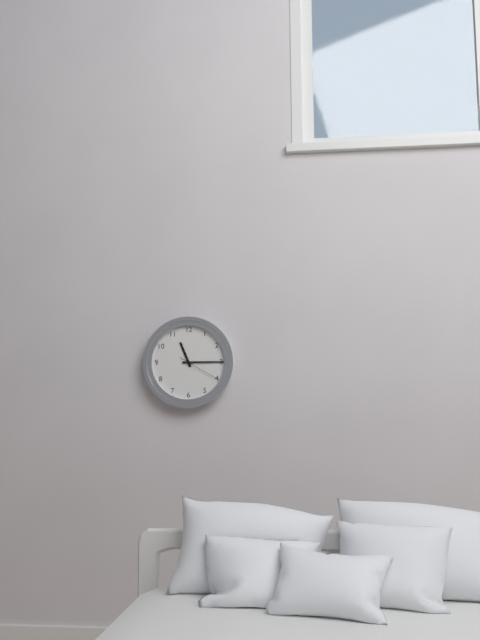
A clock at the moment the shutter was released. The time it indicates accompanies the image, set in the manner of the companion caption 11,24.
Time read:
11,15
